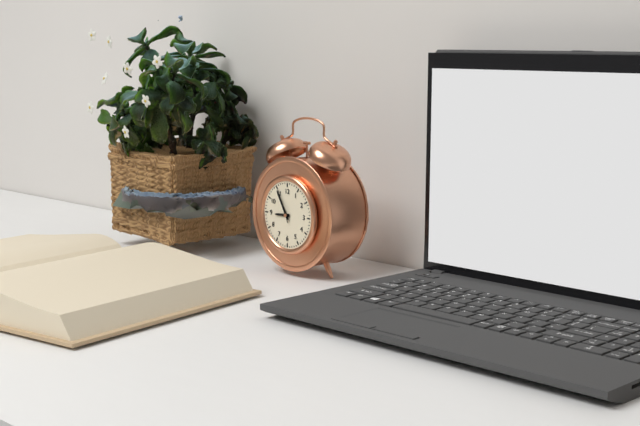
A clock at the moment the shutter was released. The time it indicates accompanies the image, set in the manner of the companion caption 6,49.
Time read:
8,55
